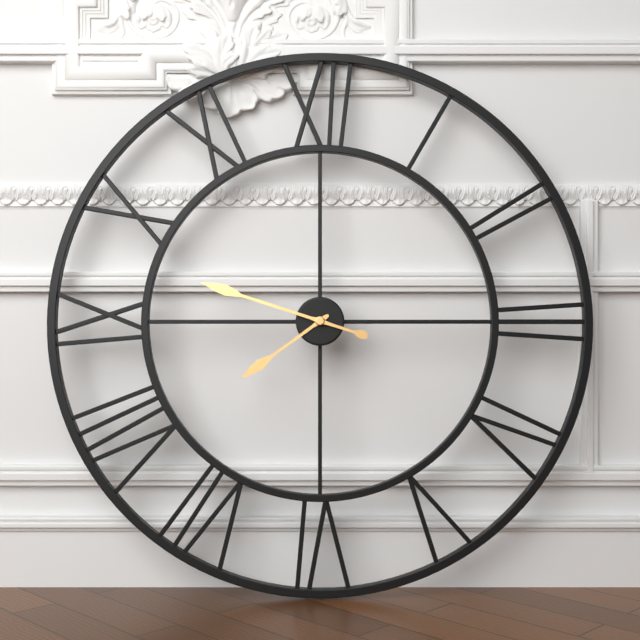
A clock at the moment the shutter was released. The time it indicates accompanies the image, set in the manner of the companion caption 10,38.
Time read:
7,48
